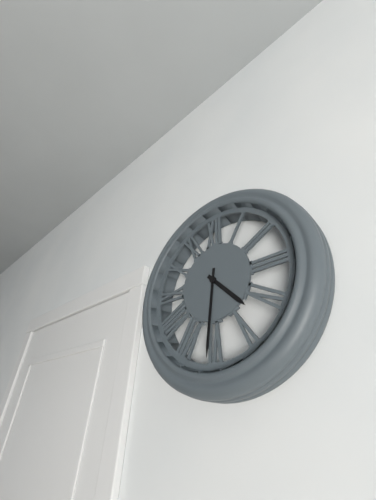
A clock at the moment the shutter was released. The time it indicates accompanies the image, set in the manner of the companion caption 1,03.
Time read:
4,31
